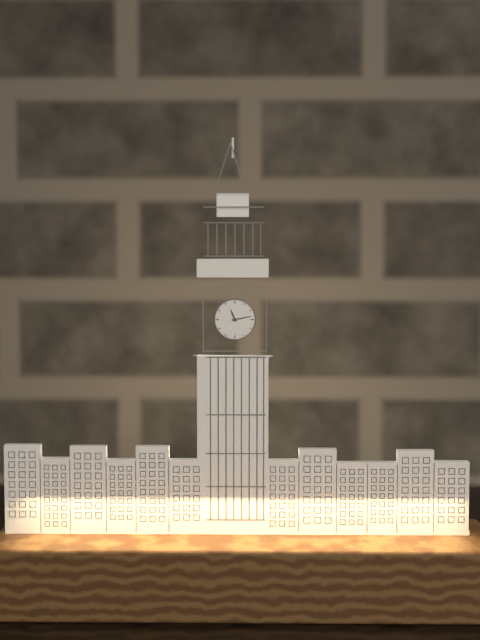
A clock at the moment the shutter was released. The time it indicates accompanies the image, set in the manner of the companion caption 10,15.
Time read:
11,13
